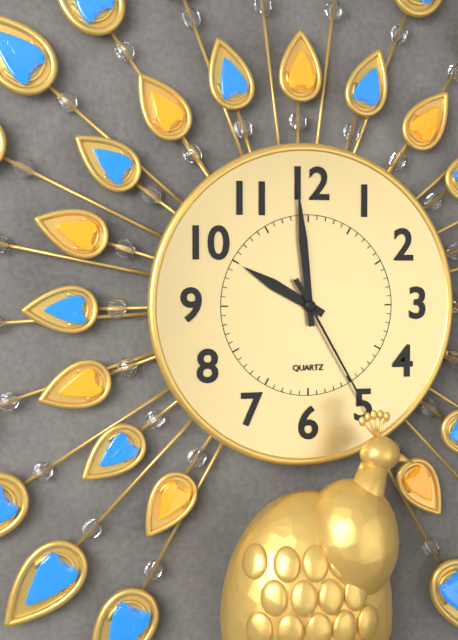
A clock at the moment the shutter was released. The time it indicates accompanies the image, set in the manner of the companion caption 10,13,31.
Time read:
9,59,25
